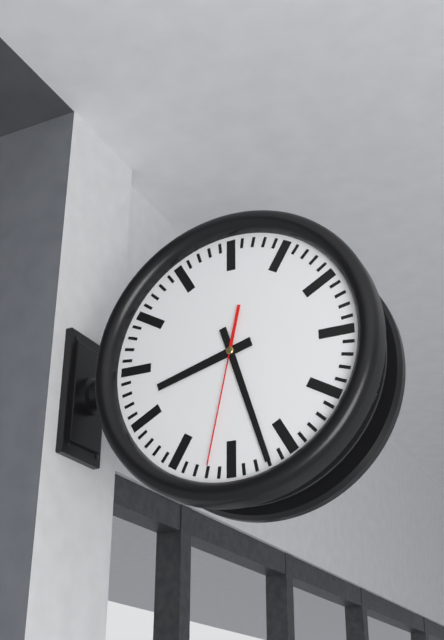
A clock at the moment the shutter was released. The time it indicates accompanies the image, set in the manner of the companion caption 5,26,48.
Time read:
8,27,32
